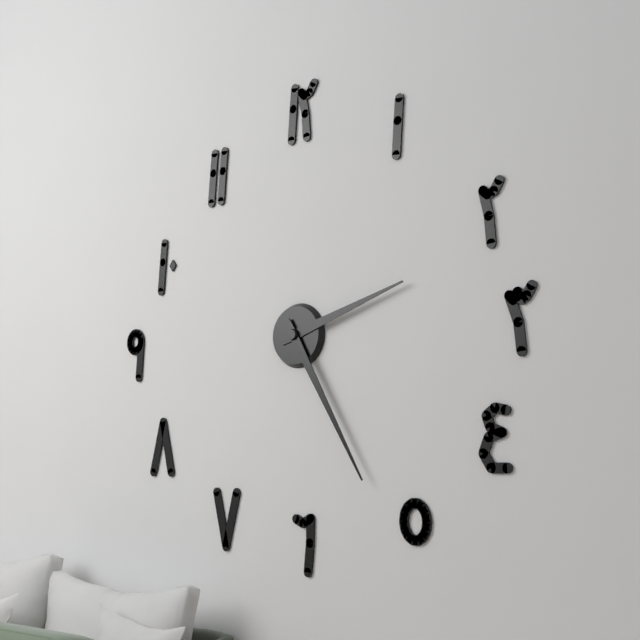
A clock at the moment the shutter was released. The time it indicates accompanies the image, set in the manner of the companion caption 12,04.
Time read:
2,25
